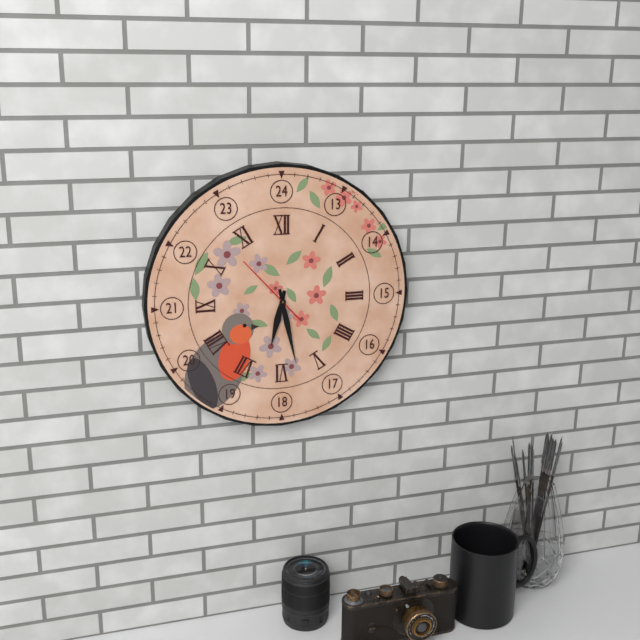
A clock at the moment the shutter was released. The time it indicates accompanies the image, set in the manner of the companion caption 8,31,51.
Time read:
6,28,53
